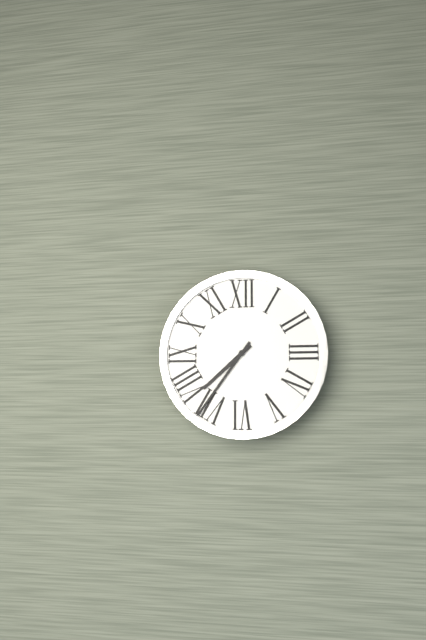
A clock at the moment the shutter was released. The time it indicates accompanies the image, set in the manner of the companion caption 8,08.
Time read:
7,36
